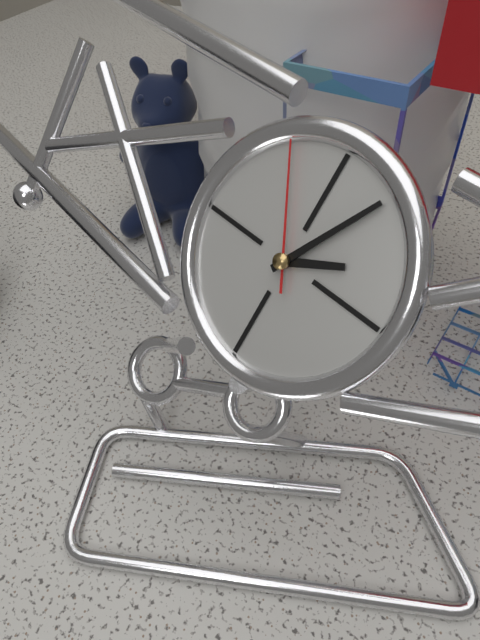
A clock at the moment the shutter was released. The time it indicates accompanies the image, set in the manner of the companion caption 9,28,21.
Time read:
2,05,55
